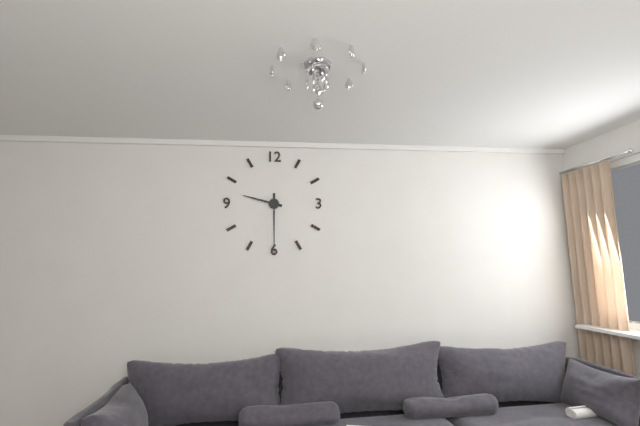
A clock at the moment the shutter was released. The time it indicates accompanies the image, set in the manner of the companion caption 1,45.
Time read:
9,30
